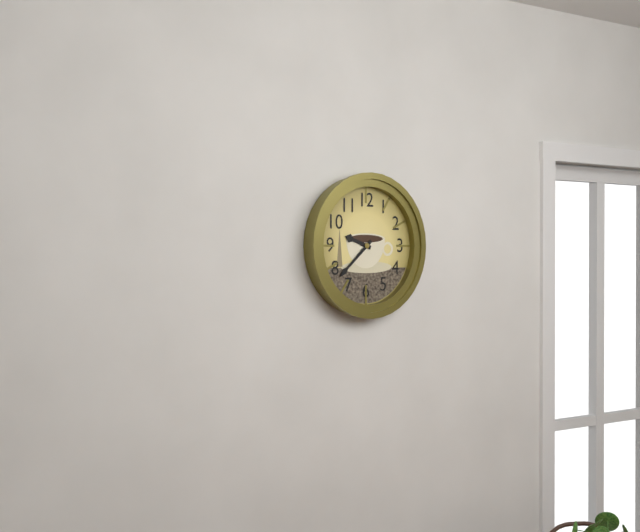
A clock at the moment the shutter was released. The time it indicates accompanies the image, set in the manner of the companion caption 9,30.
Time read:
9,38
